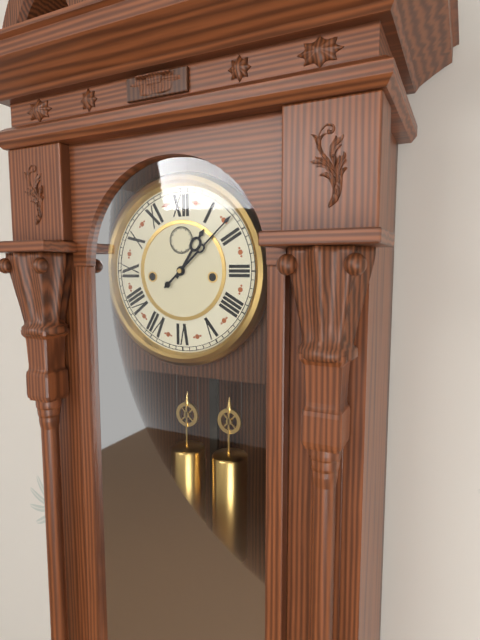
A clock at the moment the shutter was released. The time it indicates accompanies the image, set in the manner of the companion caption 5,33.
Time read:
1,08
